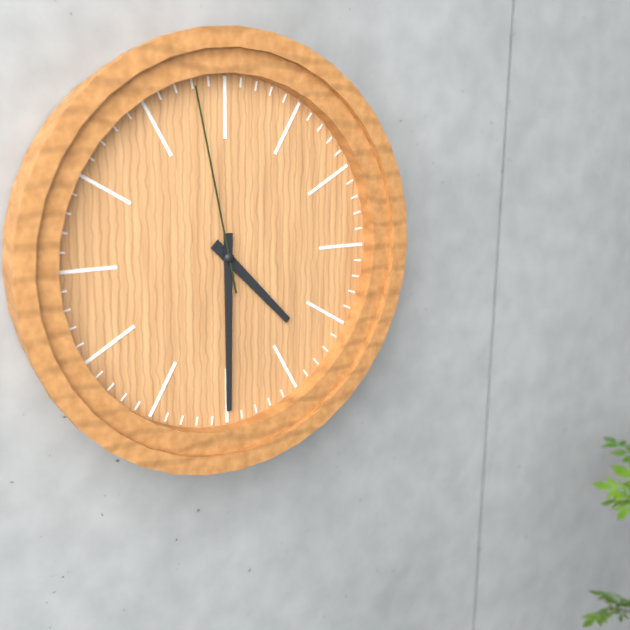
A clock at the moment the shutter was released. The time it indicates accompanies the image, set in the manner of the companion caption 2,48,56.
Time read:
4,30,58
